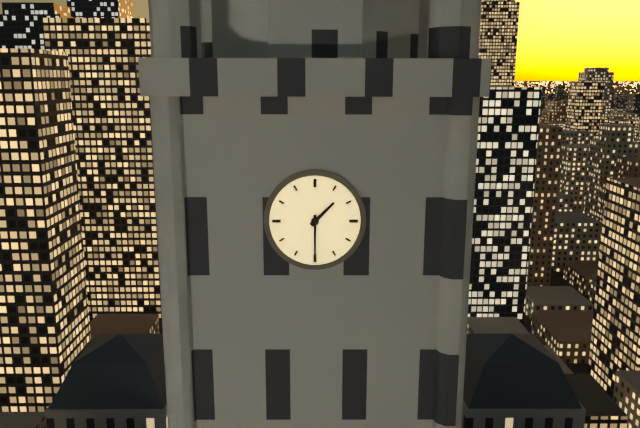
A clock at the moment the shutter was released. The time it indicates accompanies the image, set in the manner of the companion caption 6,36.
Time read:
1,30
